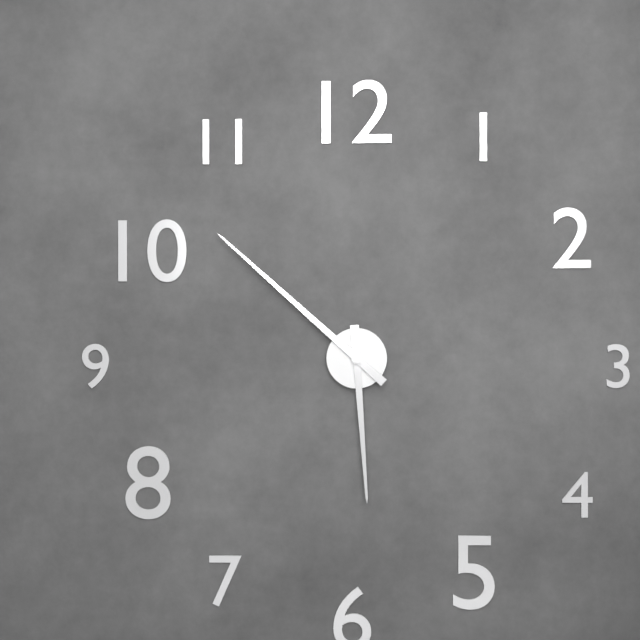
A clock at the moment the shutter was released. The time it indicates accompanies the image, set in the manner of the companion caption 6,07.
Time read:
5,52
